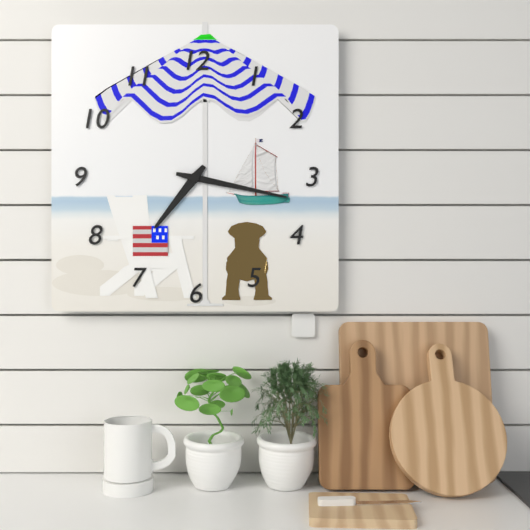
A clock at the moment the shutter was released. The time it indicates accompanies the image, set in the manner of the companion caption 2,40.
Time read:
7,17
